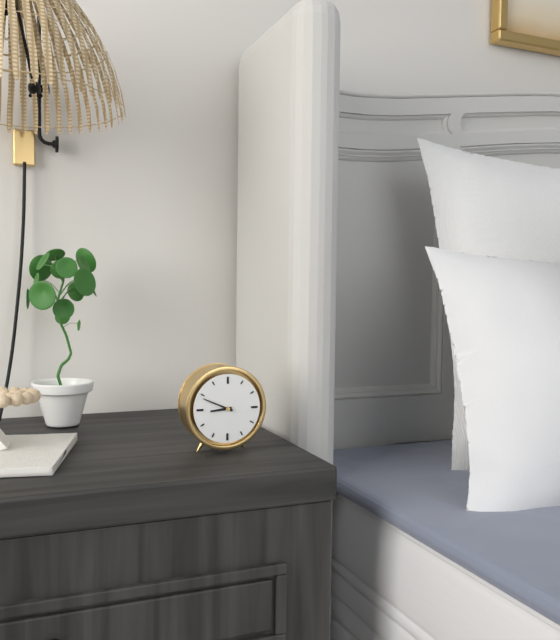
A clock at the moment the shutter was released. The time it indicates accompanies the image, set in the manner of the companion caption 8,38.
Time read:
8,49
